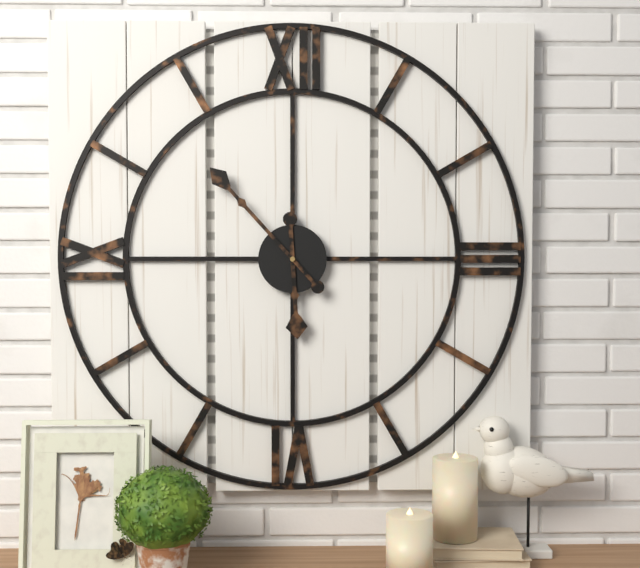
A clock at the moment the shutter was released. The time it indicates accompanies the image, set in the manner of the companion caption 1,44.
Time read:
5,53
